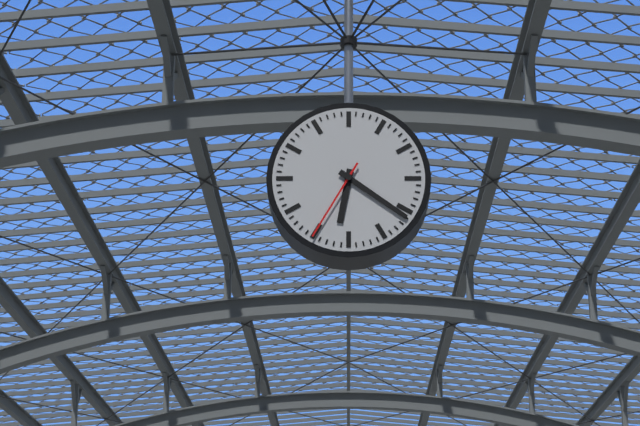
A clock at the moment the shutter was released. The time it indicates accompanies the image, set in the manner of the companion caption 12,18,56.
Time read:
6,21,35
